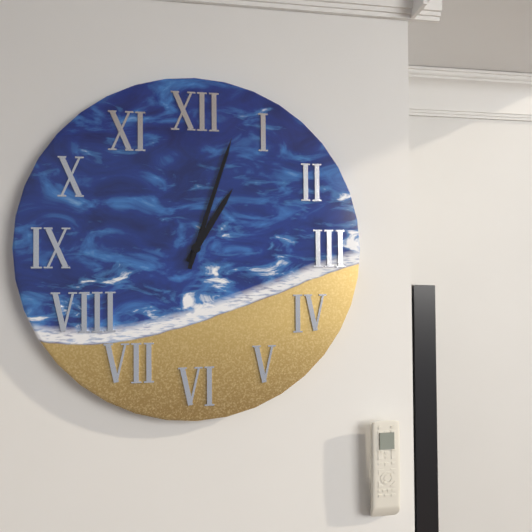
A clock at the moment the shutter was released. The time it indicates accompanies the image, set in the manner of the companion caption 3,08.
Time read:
1,03
